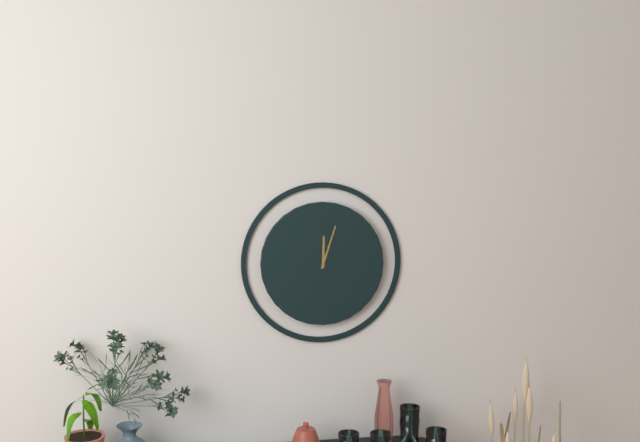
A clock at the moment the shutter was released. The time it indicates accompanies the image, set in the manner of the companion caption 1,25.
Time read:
12,03
